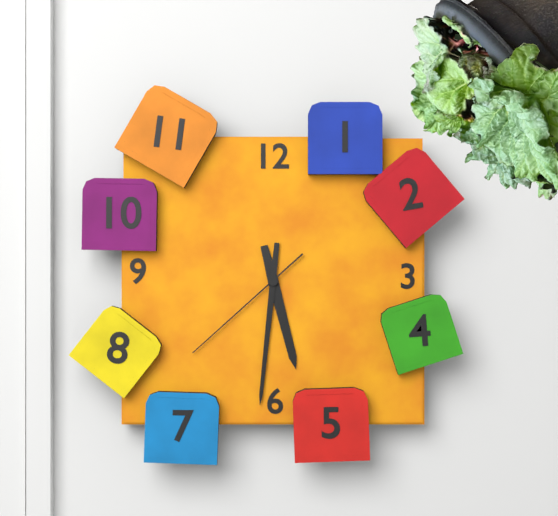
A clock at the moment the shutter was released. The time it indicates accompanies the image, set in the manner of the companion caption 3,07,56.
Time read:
5,31,38
